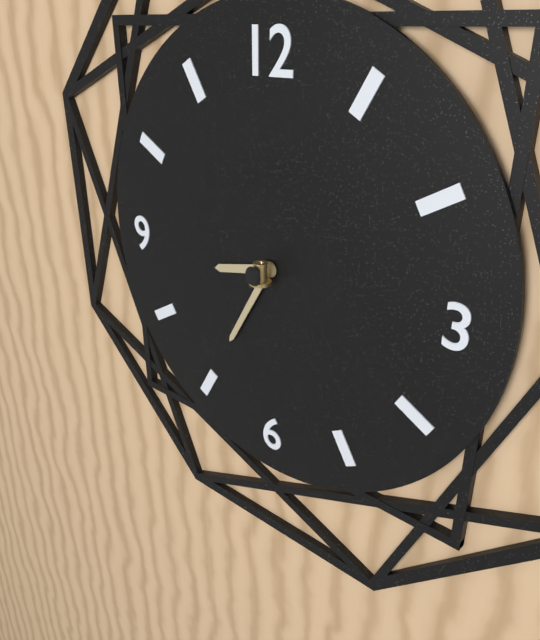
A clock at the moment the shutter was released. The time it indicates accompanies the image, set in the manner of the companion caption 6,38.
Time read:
8,35
